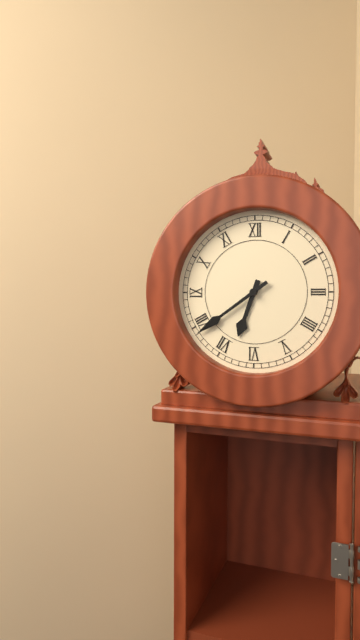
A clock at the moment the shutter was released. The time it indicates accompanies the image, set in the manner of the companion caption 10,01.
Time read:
6,39
